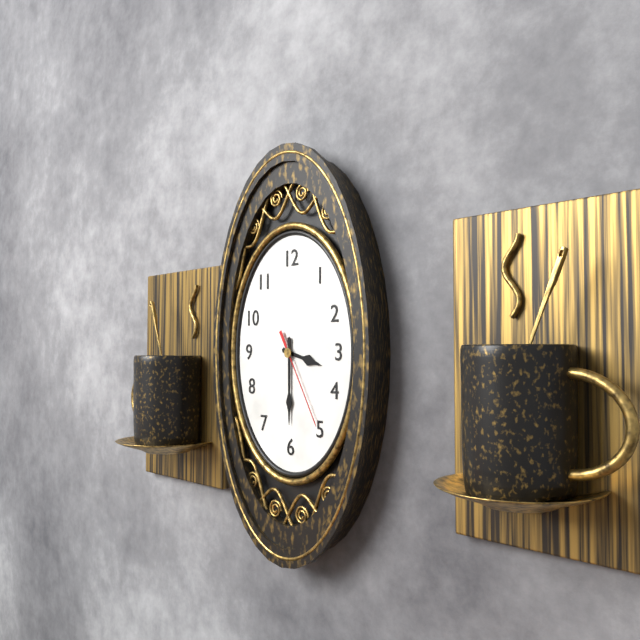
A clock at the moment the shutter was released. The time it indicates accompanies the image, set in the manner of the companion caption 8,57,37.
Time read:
3,30,25
